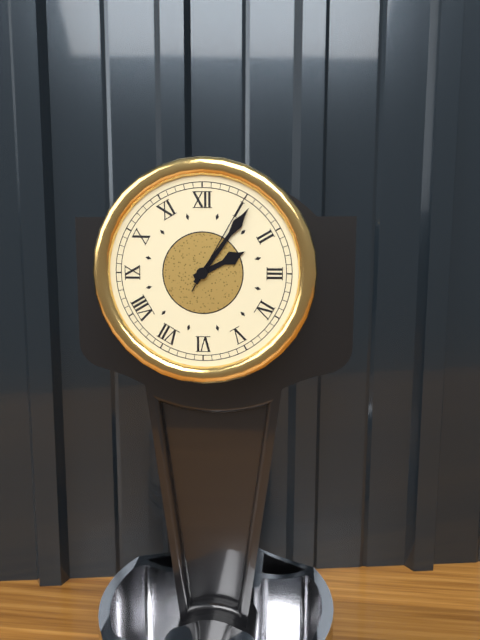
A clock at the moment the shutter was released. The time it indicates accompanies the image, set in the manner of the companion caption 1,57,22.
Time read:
2,06,05
